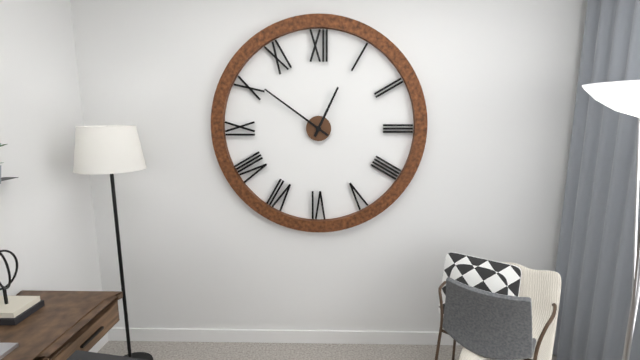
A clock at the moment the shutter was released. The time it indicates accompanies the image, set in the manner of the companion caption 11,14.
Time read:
12,51
